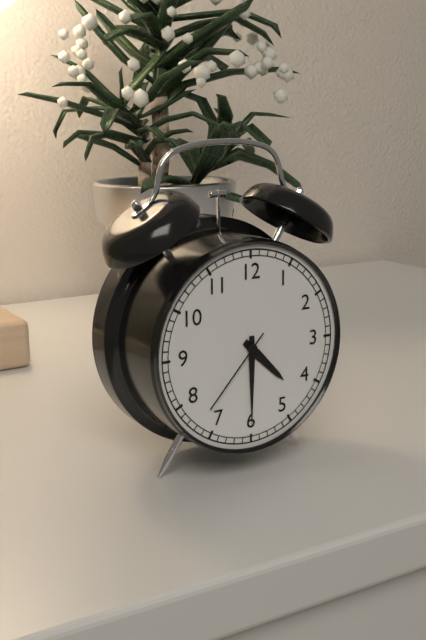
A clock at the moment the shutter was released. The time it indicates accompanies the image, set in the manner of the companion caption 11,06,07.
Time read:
4,30,37
